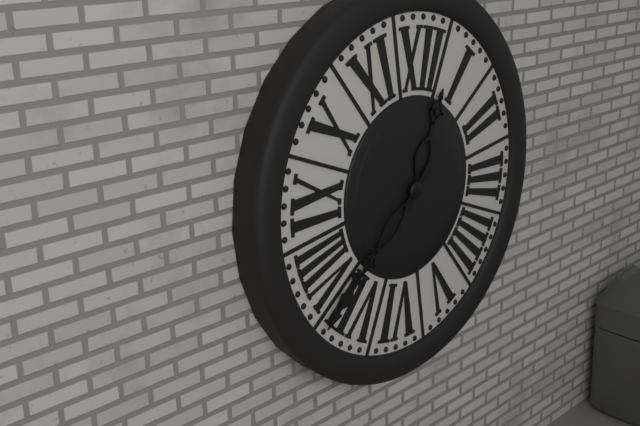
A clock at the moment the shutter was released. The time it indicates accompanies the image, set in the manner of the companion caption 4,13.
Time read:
12,37
